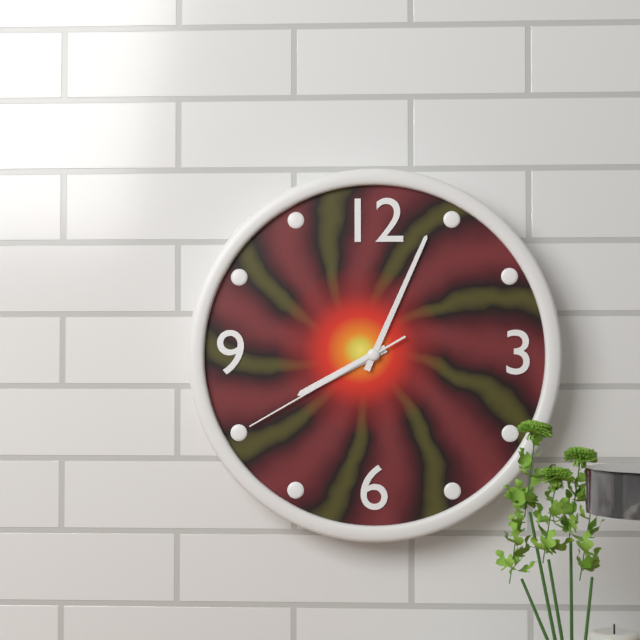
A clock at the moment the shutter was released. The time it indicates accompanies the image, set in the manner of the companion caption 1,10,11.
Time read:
8,04,40
